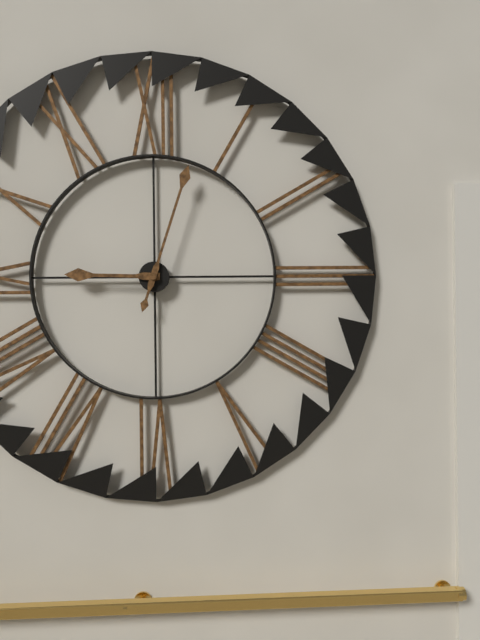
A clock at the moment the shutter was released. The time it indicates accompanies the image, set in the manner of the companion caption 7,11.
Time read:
9,03
